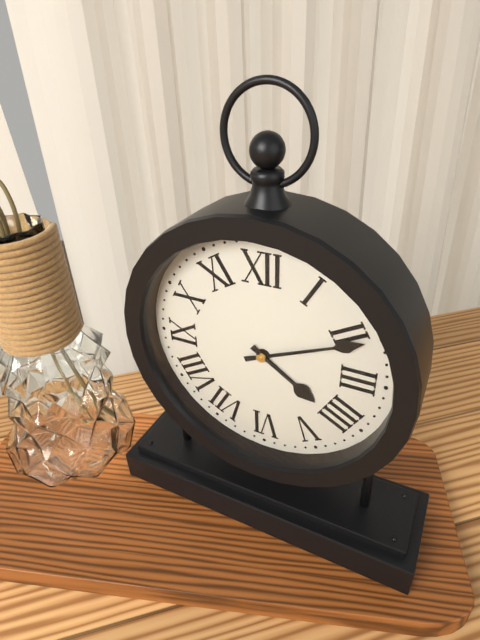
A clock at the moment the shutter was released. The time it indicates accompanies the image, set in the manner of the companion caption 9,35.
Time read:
4,11
